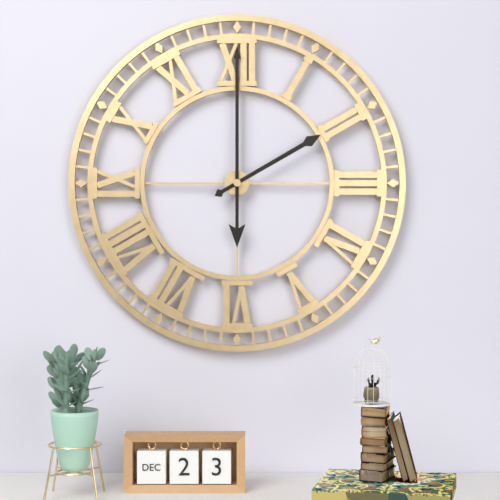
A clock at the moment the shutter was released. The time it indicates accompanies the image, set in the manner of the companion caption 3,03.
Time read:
2,00
